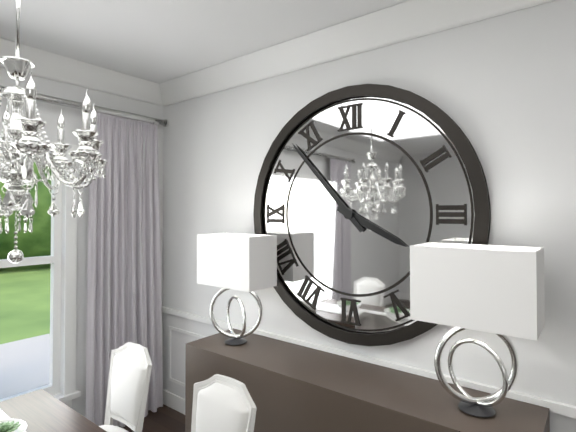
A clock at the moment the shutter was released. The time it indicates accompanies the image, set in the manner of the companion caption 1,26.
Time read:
3,53
